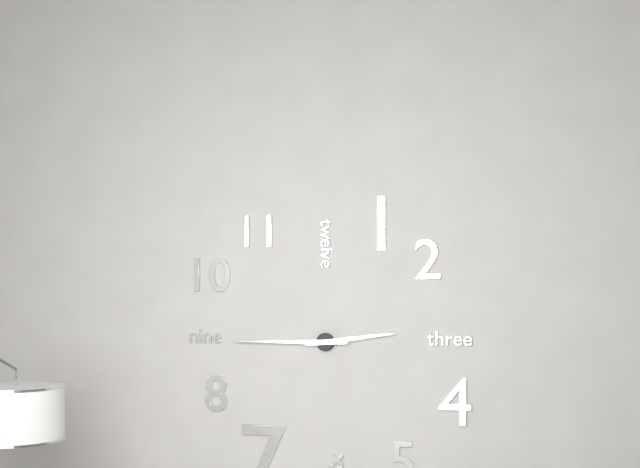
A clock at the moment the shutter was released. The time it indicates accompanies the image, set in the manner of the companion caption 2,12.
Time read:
2,45
